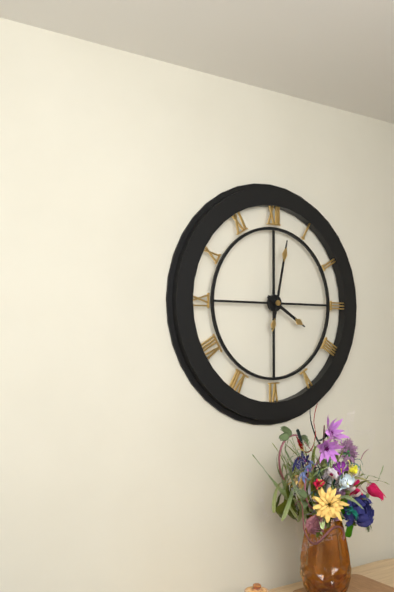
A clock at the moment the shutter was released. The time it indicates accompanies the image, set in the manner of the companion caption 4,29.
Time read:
4,02
